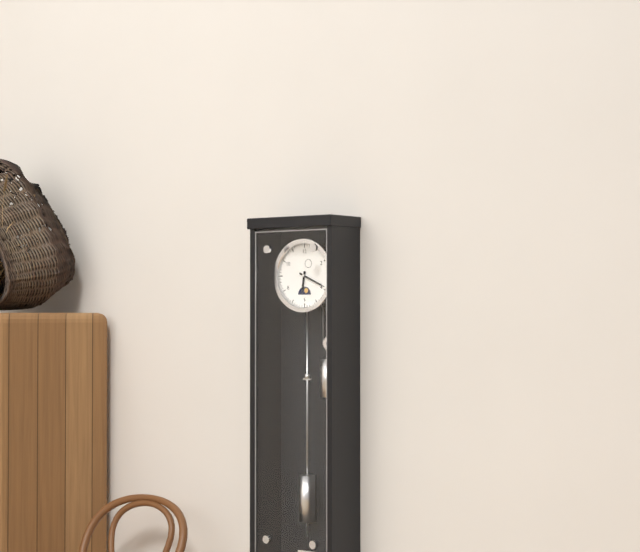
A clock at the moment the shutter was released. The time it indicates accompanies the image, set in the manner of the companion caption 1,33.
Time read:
6,19
